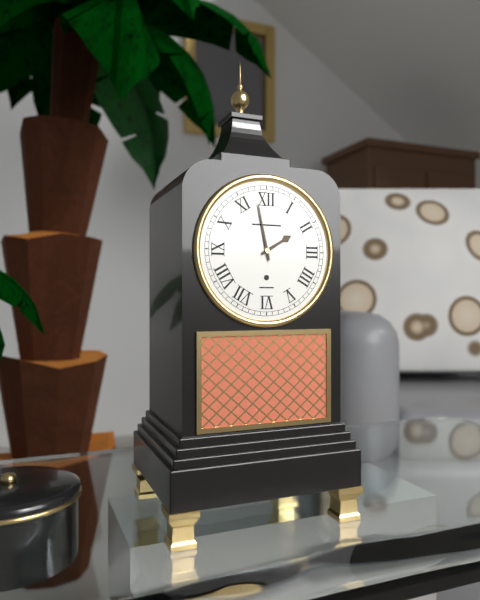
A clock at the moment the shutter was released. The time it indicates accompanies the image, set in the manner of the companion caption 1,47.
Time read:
1,58
